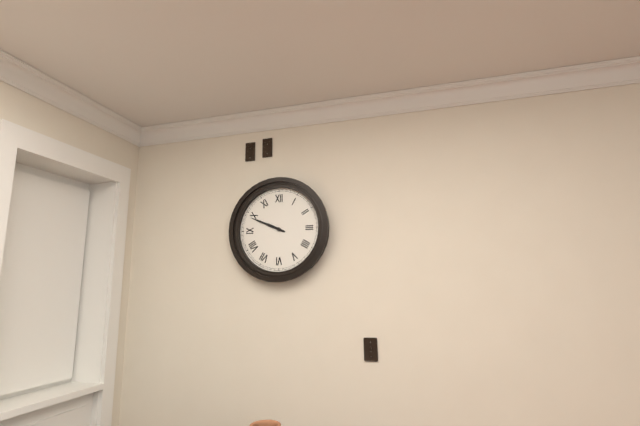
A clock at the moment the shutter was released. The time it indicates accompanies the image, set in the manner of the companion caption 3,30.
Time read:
9,49
